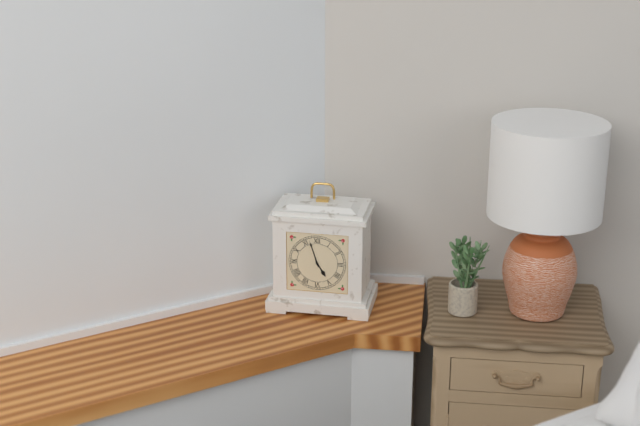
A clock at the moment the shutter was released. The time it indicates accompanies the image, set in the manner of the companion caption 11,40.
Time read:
4,57
